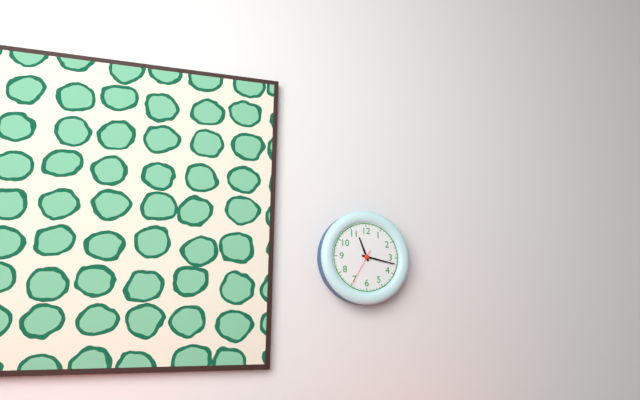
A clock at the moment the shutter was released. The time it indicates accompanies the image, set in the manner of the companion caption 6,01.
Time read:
11,17
